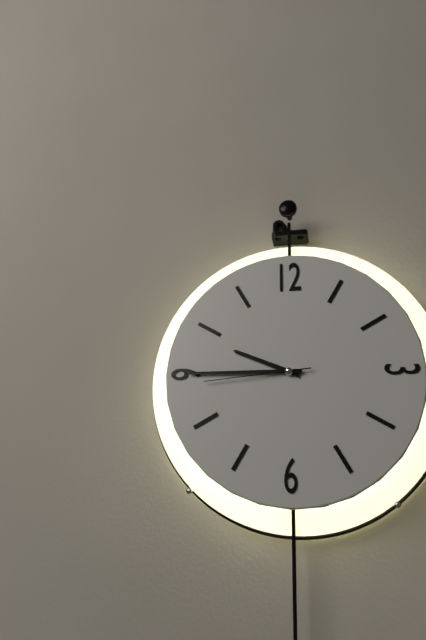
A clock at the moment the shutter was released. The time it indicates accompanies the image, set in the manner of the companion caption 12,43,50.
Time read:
9,45,44
